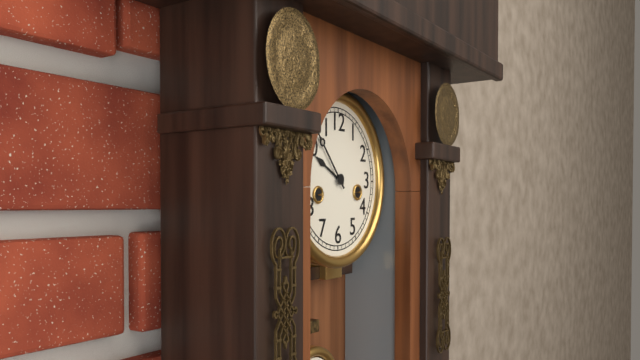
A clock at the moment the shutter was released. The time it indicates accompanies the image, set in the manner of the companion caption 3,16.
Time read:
9,53
